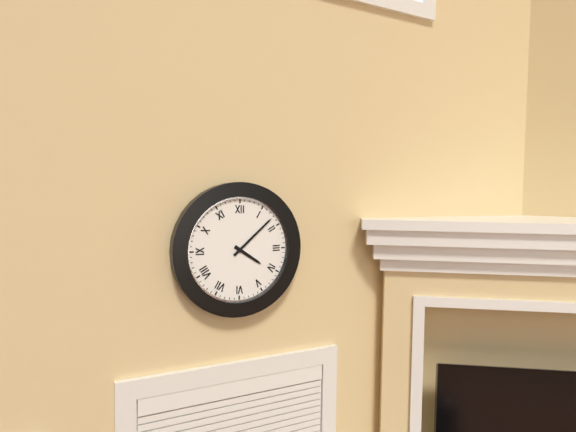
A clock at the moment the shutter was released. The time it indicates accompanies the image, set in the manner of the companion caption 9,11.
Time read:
4,08
